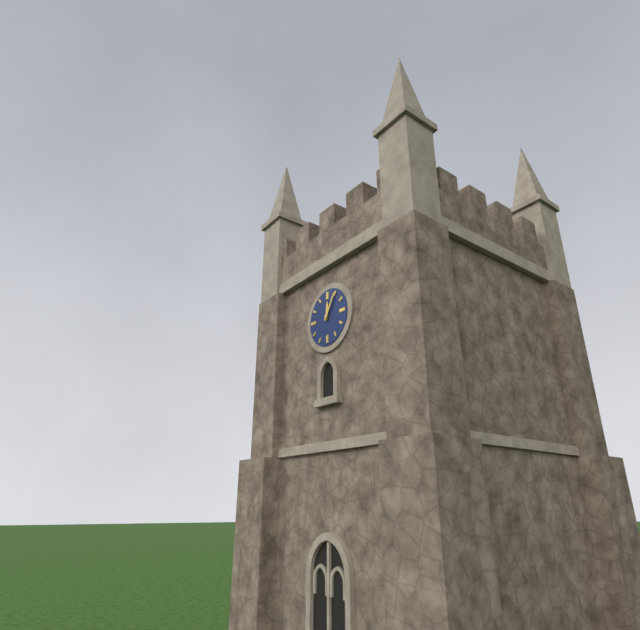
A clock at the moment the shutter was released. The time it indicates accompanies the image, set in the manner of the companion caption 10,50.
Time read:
12,05
